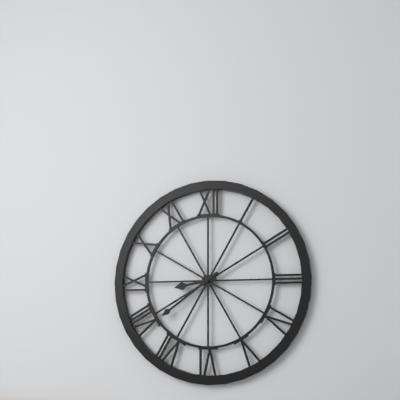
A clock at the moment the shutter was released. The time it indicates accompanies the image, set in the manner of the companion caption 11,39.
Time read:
8,39
